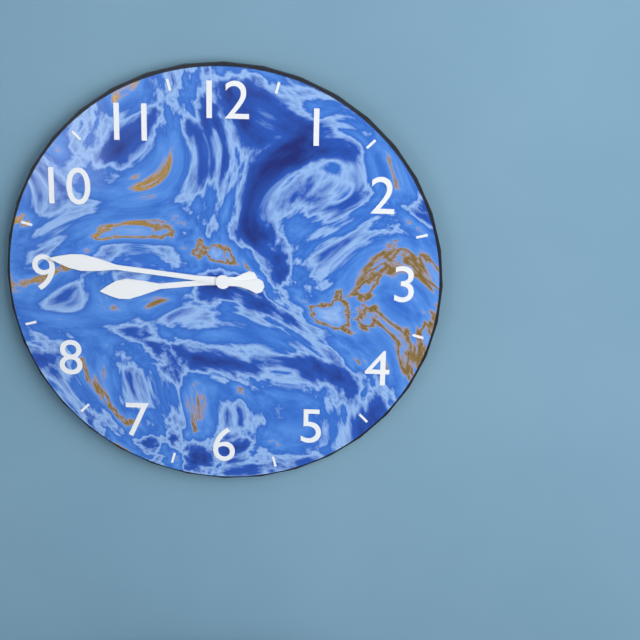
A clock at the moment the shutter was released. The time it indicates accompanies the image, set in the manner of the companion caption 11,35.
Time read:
8,46
